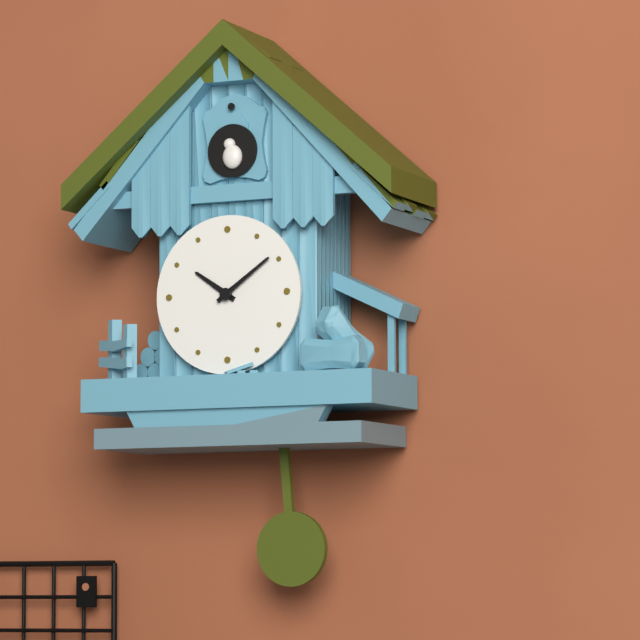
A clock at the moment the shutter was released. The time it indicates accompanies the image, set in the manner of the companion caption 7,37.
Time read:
10,09
